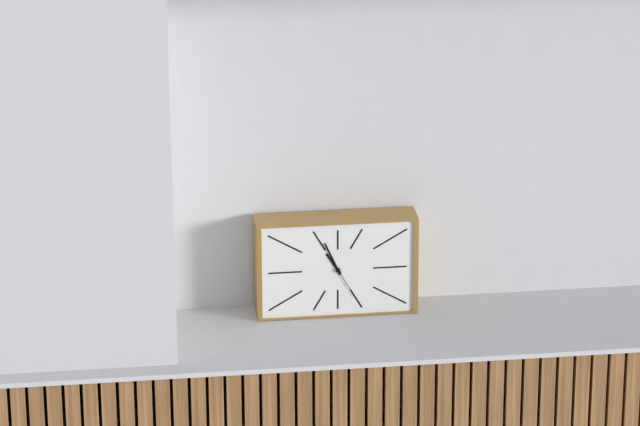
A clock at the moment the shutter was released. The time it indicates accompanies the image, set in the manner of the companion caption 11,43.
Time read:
10,56
